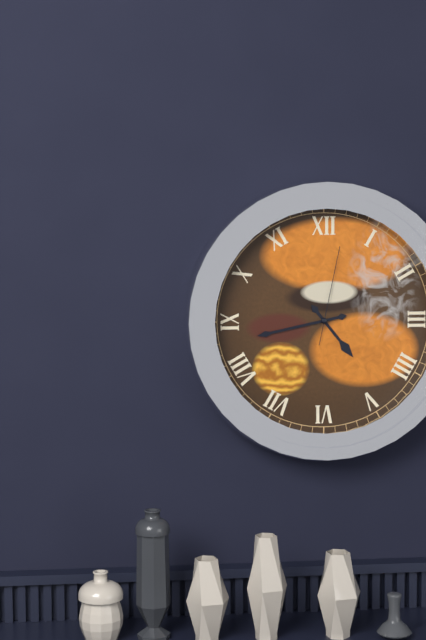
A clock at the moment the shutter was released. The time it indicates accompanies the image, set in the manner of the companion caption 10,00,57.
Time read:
4,43,02
